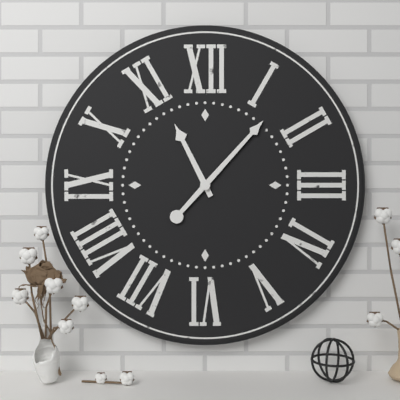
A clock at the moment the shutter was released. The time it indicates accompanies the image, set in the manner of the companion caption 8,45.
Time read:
11,07
